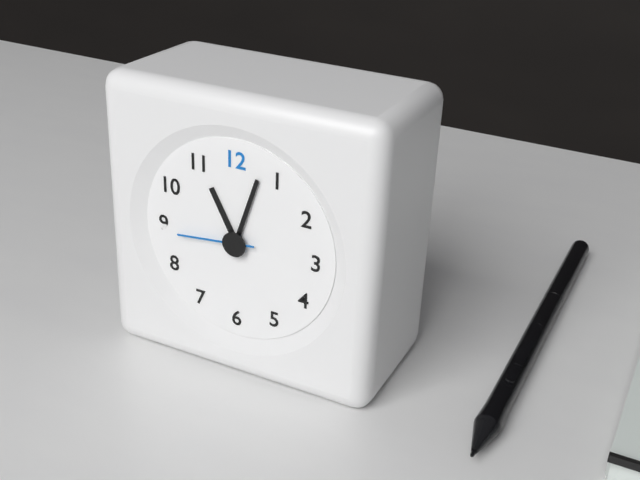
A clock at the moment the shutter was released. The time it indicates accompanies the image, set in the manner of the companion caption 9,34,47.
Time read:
11,03,44
